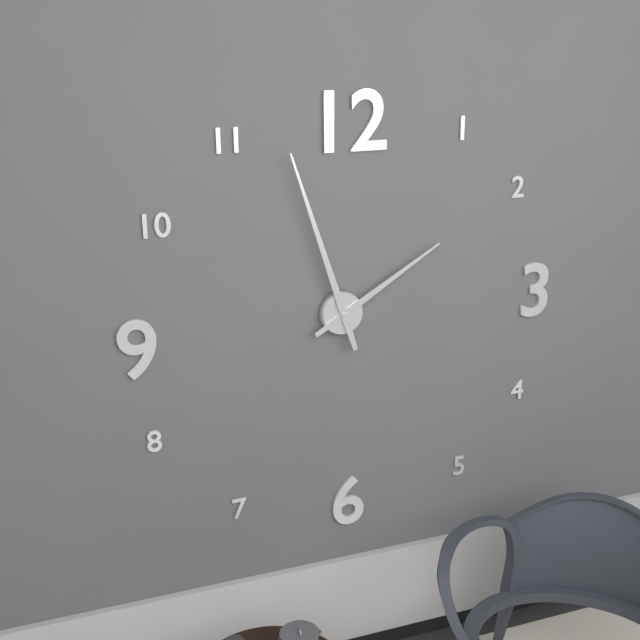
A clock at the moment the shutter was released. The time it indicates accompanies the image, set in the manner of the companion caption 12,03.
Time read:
1,57
